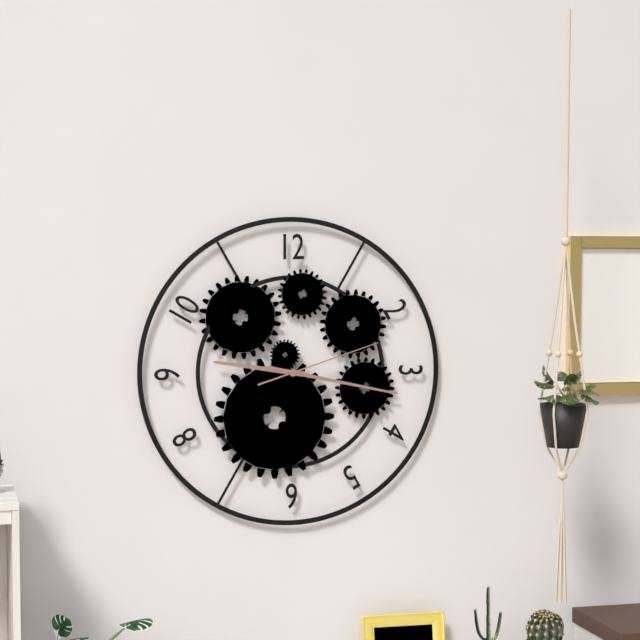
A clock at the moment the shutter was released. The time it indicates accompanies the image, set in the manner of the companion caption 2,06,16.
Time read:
9,17,12
